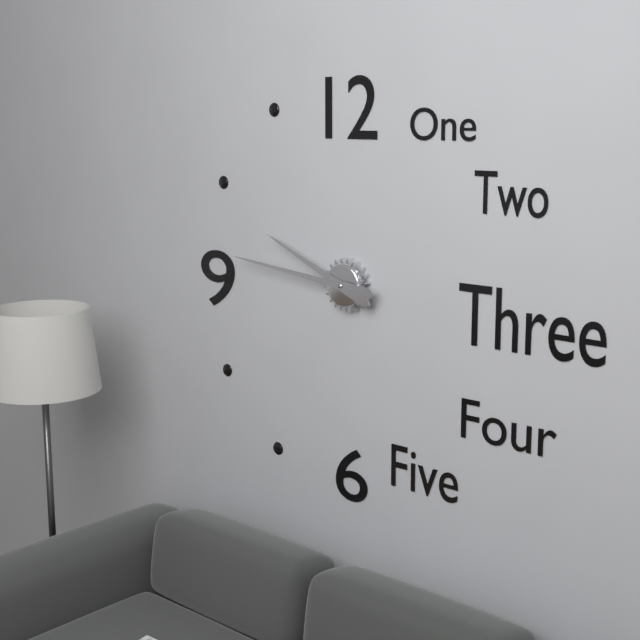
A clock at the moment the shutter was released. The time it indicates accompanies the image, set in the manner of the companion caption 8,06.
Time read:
9,46
